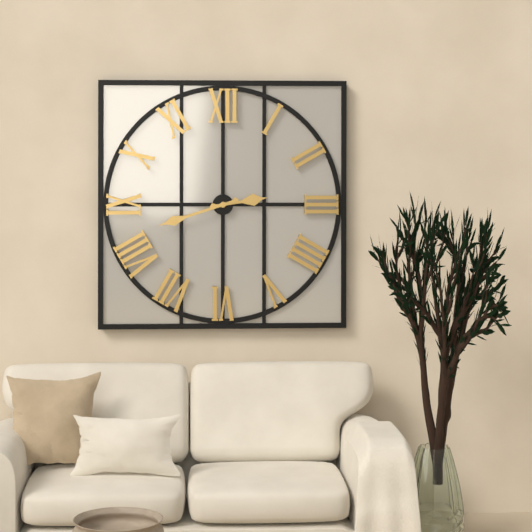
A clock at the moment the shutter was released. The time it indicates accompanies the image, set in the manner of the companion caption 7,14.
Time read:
2,42
